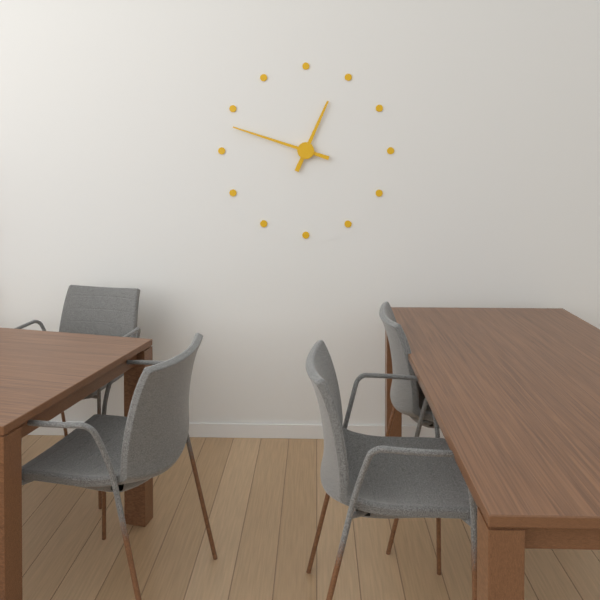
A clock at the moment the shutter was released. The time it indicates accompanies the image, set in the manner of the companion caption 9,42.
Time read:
12,48
